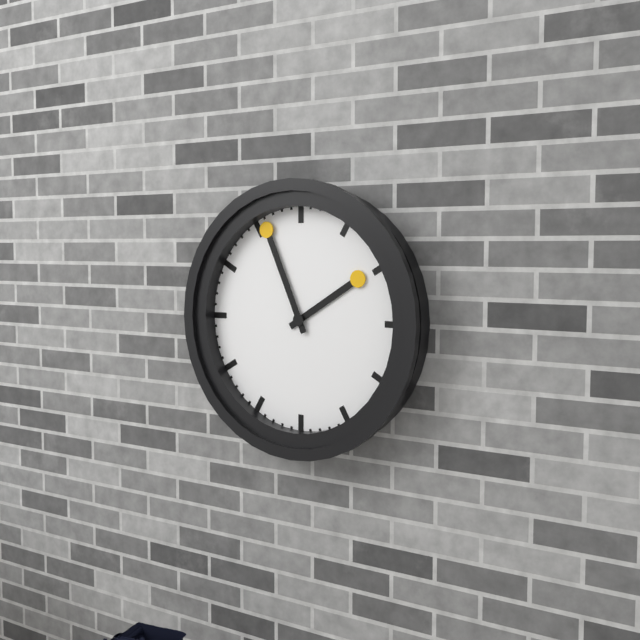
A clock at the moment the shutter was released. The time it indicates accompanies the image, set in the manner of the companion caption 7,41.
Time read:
1,56
